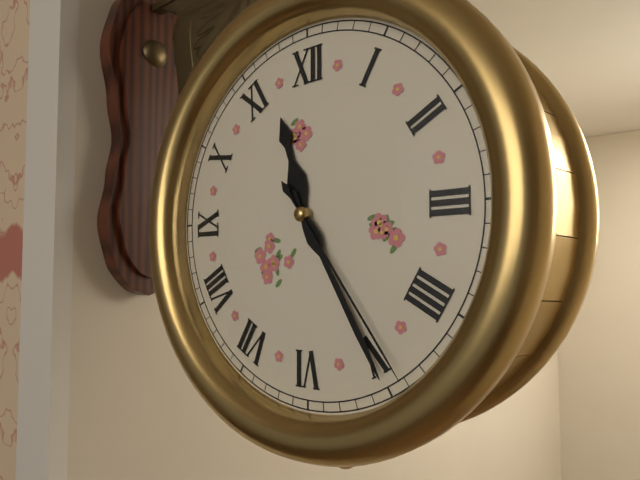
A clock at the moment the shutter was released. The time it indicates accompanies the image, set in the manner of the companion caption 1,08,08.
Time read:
11,25,24
